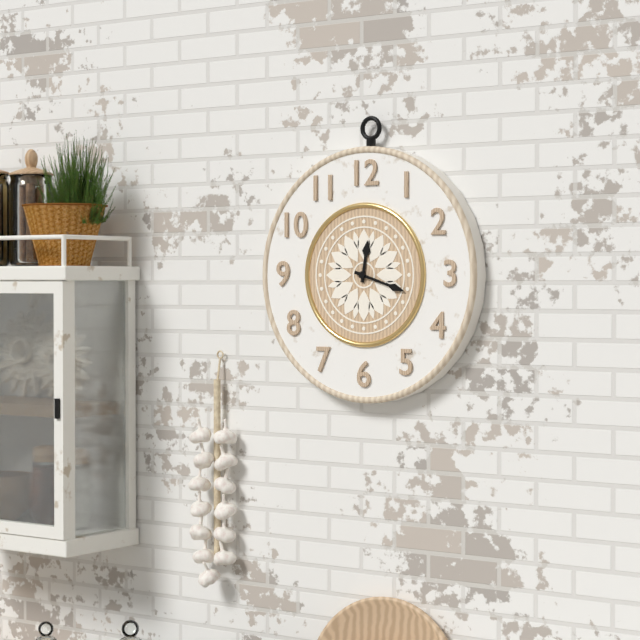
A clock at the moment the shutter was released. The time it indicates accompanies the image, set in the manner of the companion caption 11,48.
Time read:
12,18
